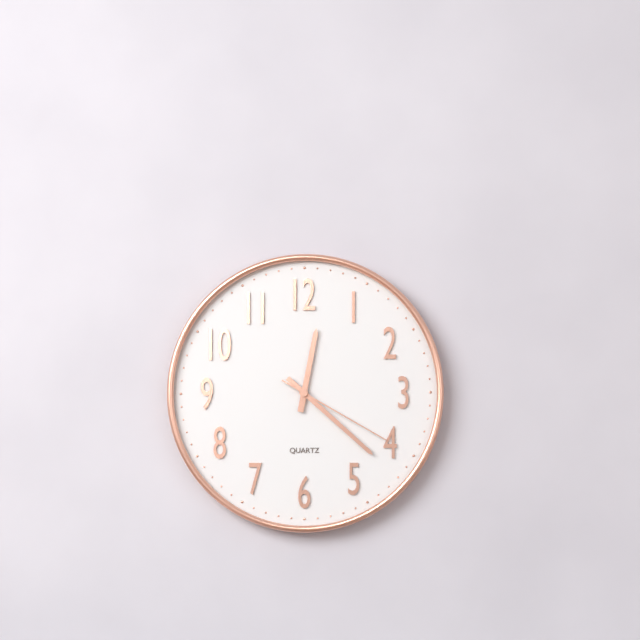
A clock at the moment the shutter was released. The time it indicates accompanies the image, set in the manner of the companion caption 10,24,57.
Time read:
12,22,20
